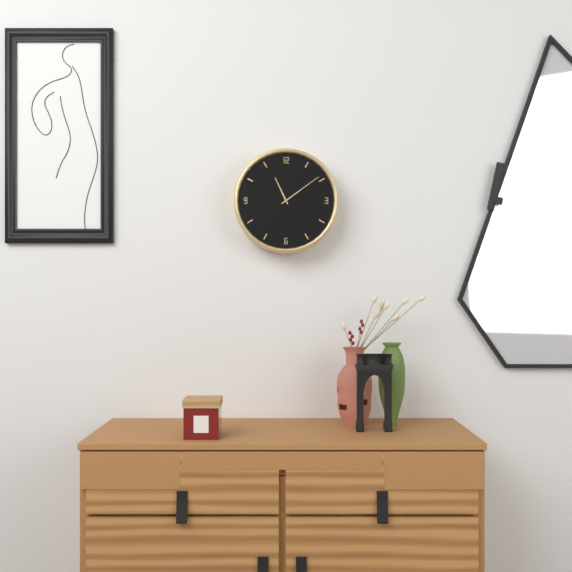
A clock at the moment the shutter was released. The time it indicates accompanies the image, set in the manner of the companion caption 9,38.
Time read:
11,09
